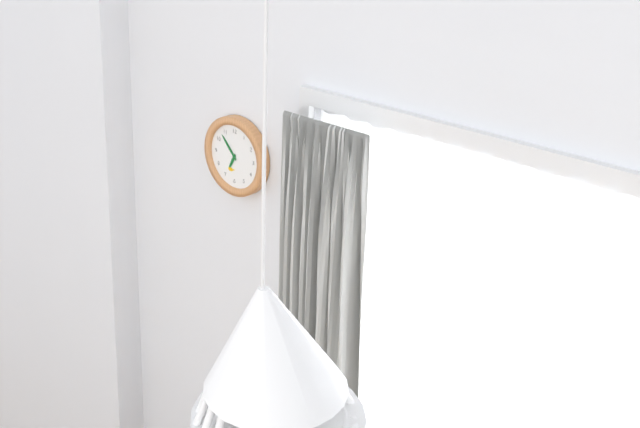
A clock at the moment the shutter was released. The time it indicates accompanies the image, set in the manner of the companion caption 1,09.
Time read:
6,53
